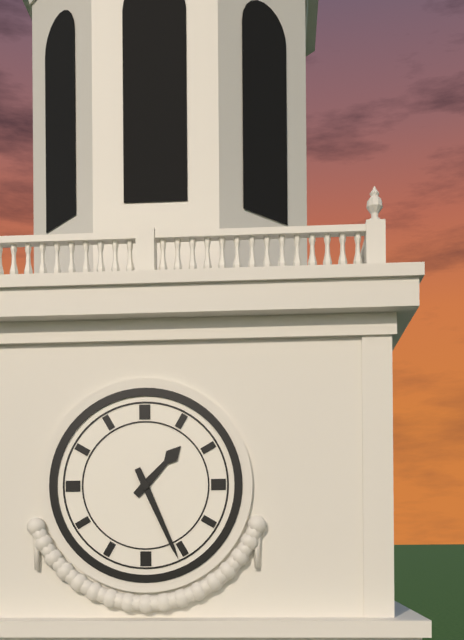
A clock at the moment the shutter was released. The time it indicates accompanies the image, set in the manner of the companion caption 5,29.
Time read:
1,26
